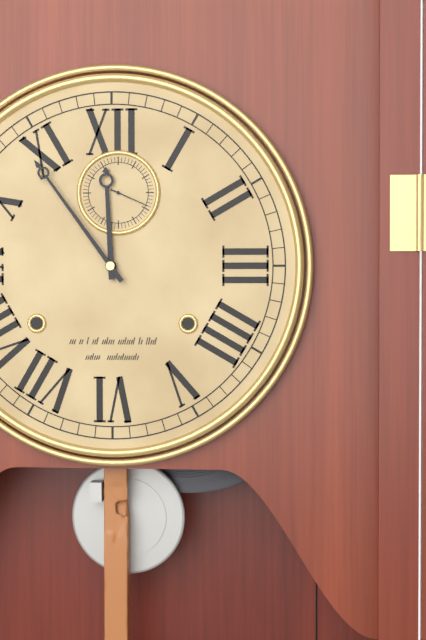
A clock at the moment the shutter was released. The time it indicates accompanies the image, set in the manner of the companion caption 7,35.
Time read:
11,54
